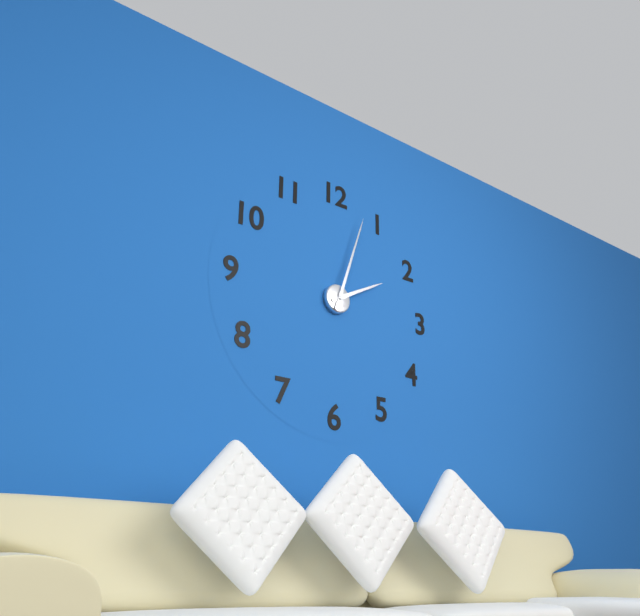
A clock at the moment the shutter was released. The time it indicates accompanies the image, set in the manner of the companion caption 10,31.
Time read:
2,03
